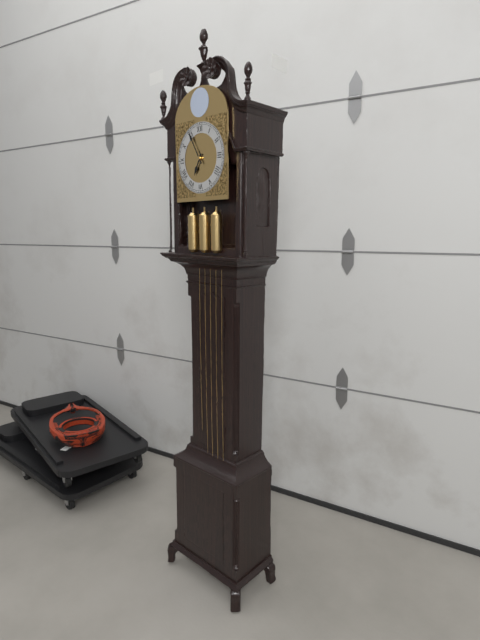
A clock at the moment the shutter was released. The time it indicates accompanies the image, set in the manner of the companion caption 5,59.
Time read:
6,55
